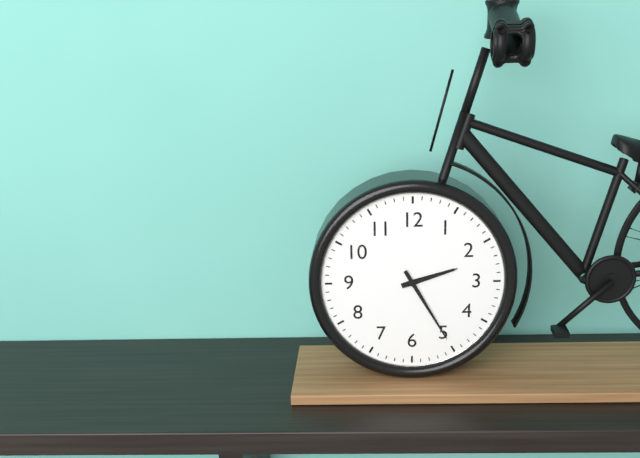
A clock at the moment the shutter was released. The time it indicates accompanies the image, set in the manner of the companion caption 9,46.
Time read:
2,25
